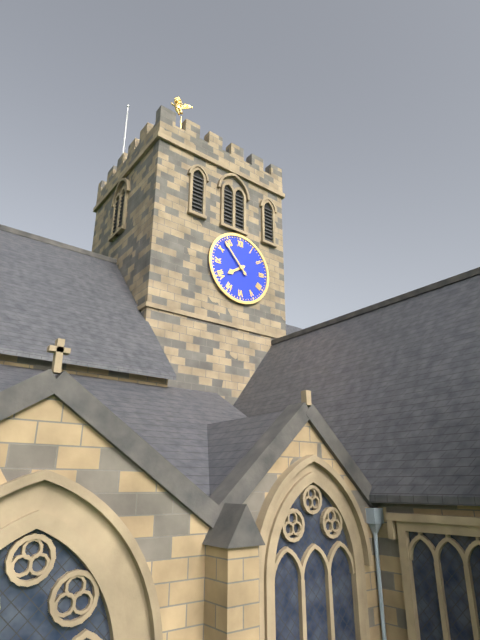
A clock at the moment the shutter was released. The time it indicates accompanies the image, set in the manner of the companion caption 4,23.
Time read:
7,53
